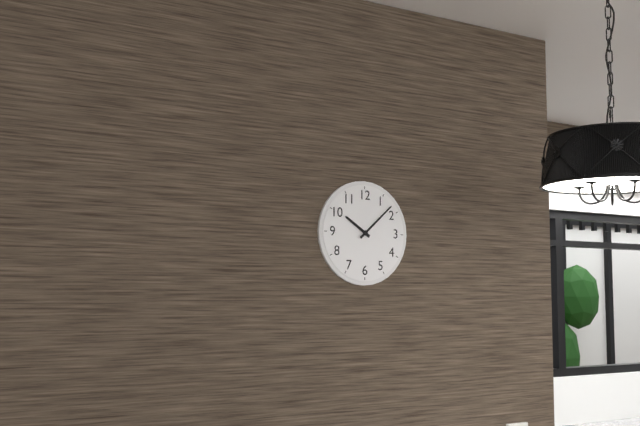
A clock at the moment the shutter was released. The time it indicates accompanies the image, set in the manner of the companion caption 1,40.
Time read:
10,08
